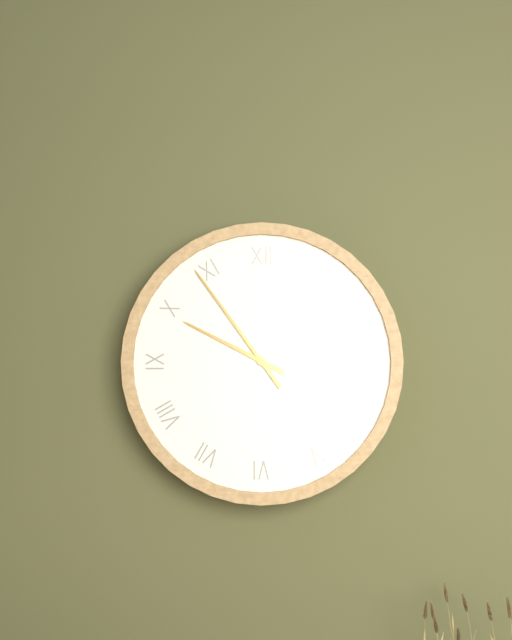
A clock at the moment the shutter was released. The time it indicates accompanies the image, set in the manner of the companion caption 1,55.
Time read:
9,54
